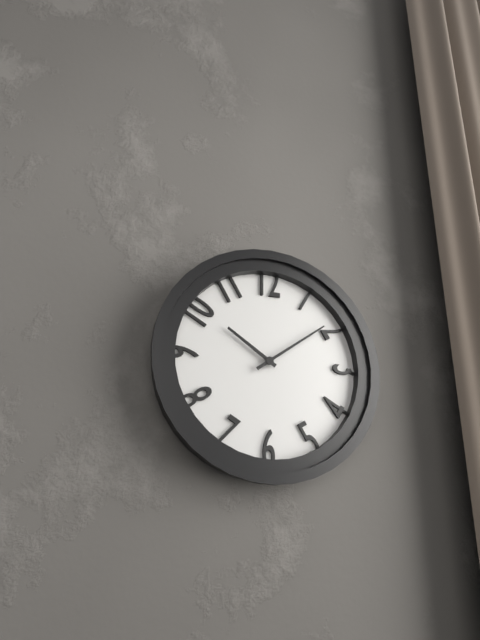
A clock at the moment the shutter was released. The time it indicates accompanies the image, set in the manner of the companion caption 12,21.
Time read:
10,09
